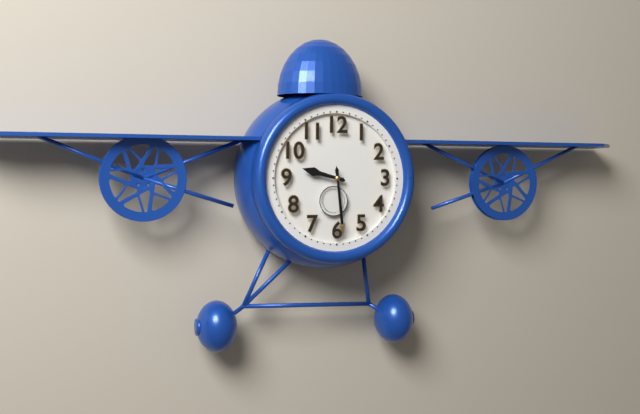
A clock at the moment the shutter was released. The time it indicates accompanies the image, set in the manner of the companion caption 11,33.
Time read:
9,29
